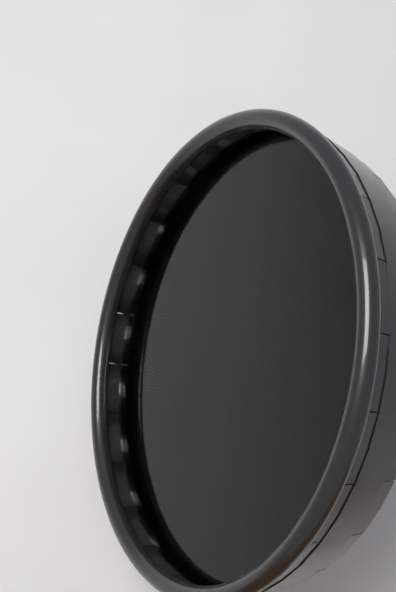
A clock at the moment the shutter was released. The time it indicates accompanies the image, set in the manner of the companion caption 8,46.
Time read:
12,06
